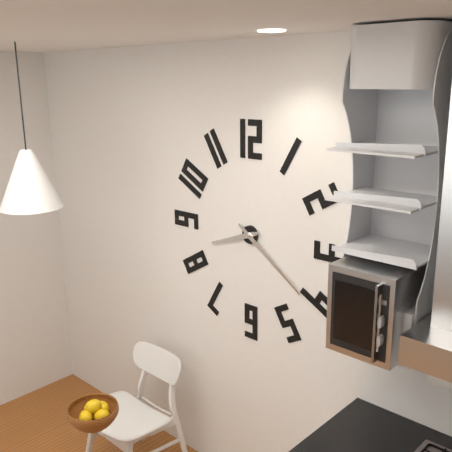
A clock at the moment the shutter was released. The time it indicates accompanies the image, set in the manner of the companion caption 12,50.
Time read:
8,21
